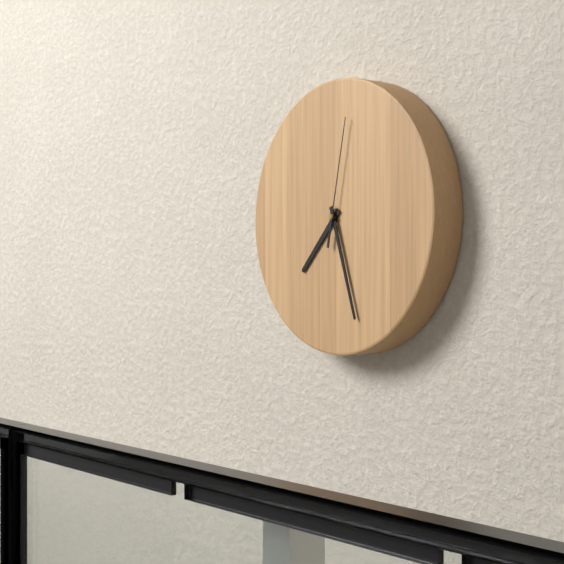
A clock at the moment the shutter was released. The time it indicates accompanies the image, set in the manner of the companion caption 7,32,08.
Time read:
7,27,02
